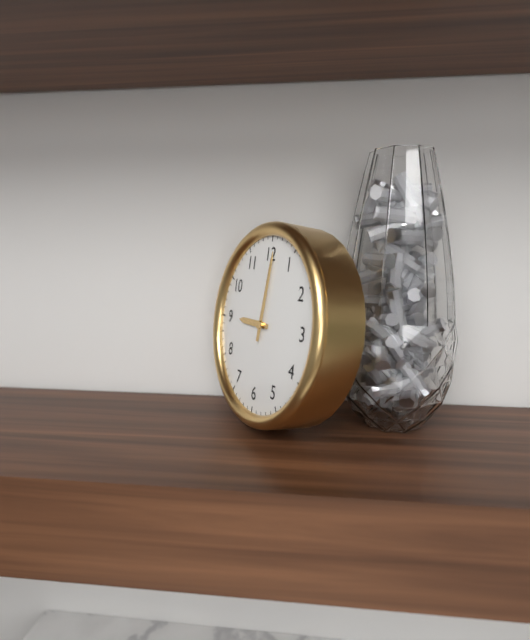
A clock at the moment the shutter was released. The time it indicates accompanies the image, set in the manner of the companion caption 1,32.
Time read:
9,01
